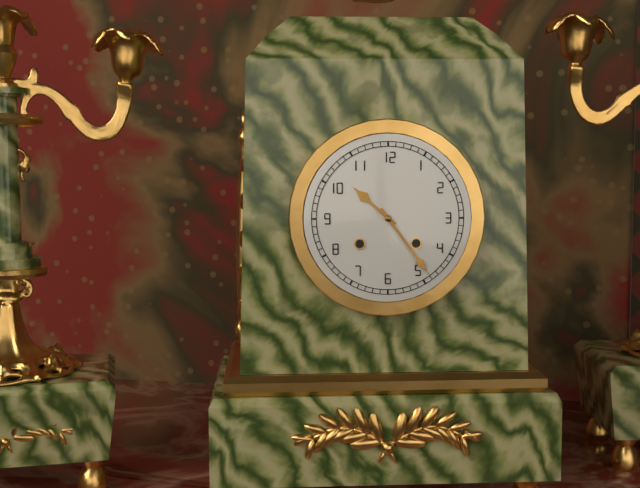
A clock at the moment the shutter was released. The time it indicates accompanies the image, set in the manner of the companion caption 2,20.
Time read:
10,24
